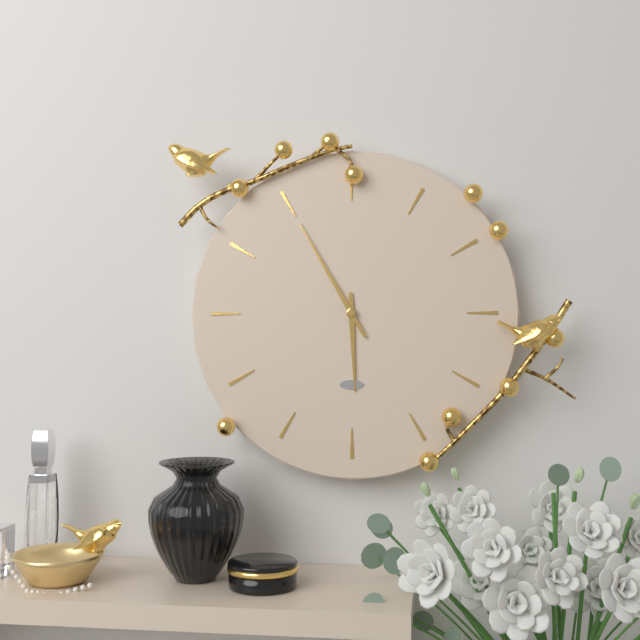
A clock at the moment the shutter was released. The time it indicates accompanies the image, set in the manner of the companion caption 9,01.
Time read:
5,55
